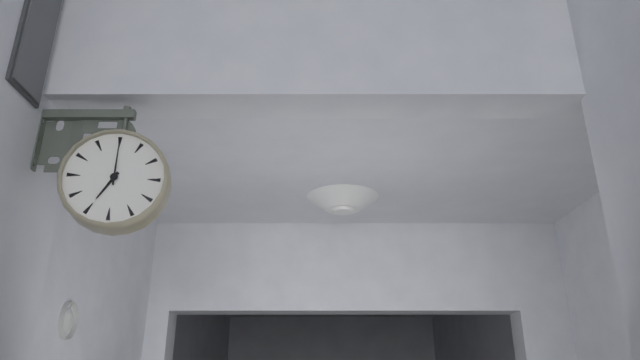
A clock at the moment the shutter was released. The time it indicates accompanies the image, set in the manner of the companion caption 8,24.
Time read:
7,00
